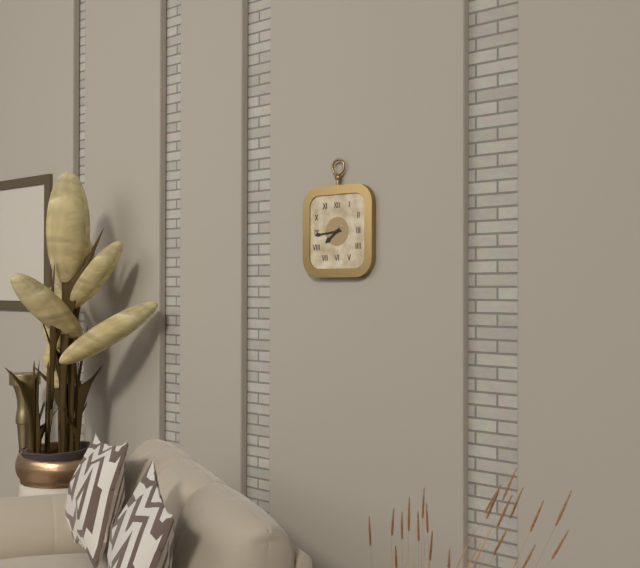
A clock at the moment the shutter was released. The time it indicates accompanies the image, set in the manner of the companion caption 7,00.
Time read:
7,44
